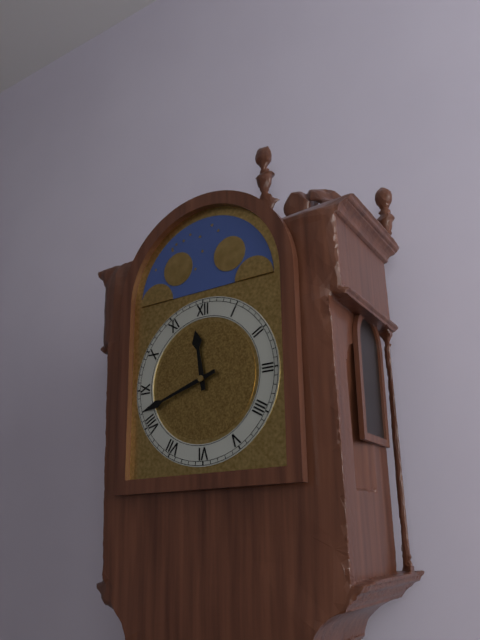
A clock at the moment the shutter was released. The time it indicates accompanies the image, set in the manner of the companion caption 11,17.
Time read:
11,42
